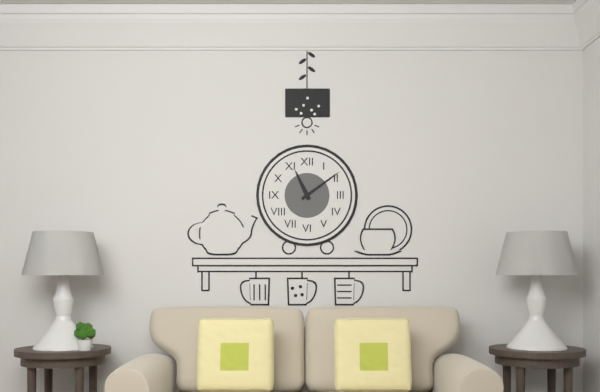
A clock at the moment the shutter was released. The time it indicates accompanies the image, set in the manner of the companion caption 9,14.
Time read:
11,09
